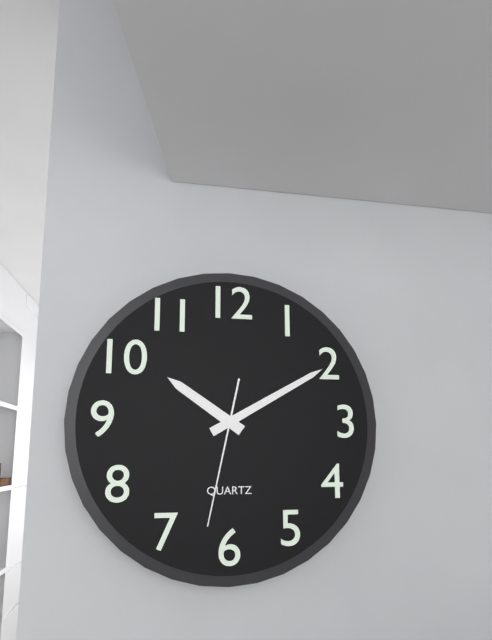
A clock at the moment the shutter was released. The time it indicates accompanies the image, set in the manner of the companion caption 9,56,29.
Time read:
10,10,32
